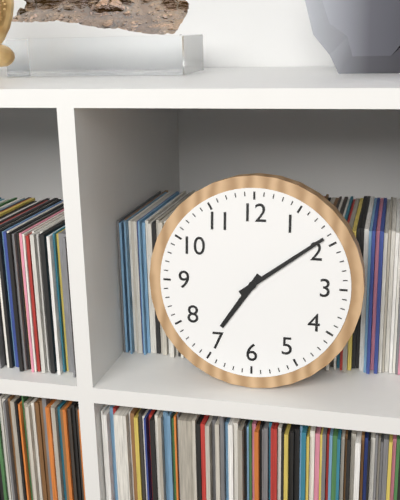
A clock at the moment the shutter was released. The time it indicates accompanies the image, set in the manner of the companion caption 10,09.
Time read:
7,09
